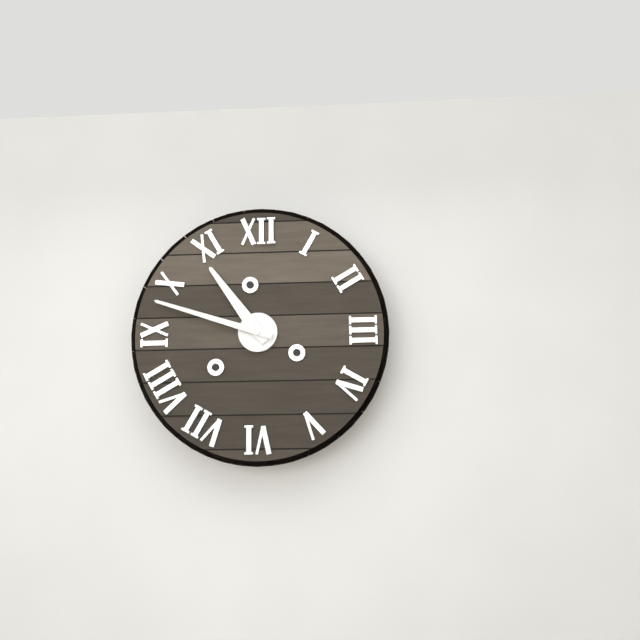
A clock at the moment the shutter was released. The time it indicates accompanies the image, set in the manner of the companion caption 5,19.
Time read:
10,48
